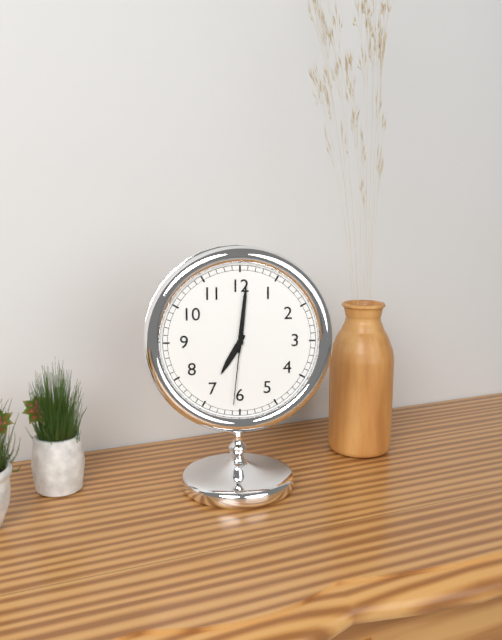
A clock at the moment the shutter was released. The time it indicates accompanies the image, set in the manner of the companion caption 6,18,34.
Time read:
7,01,31
